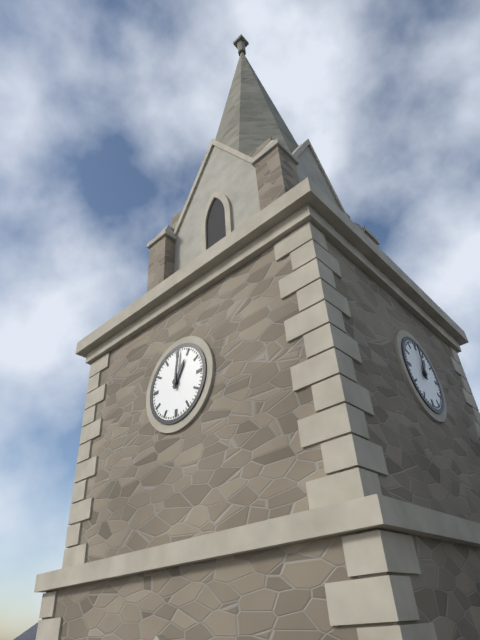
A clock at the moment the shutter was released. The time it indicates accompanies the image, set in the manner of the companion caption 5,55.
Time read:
1,01
